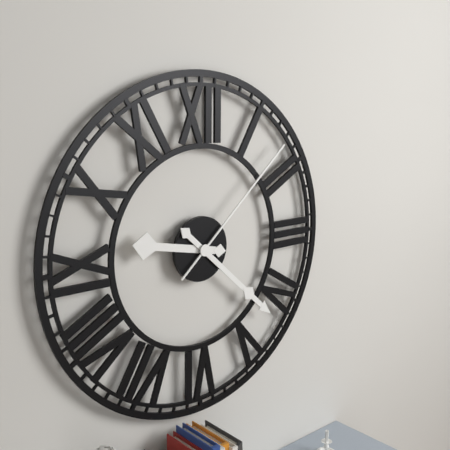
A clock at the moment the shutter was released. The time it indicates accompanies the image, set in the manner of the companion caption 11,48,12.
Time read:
9,22,08
